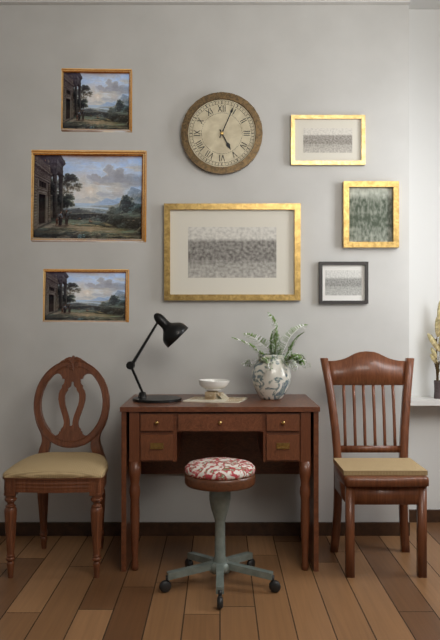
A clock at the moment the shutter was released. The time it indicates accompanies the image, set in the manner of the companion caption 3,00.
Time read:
5,04
